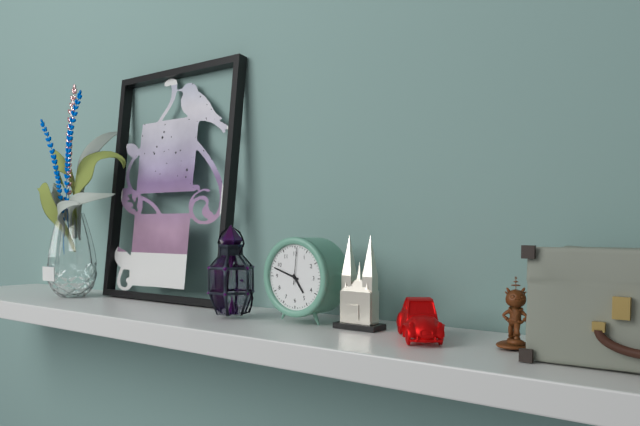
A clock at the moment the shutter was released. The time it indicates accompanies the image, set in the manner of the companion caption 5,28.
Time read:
4,48
